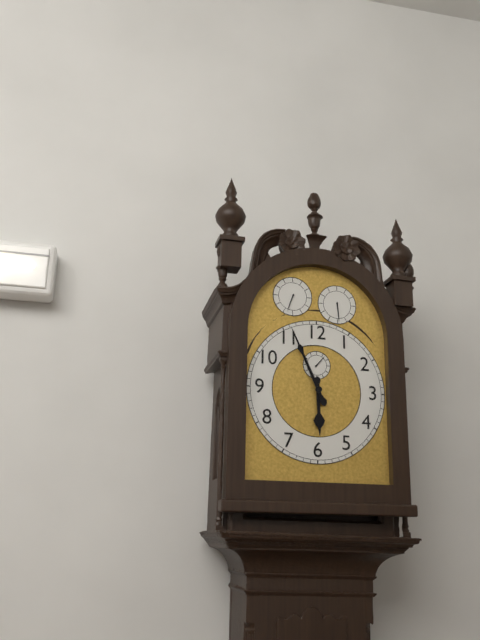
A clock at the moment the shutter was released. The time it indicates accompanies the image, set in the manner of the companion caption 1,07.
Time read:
5,56
